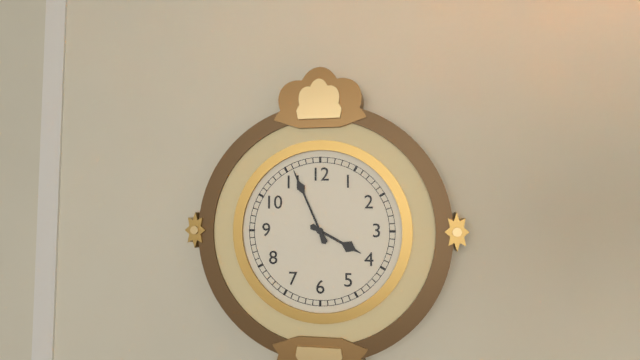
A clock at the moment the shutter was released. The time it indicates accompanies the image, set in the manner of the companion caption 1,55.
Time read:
3,56
